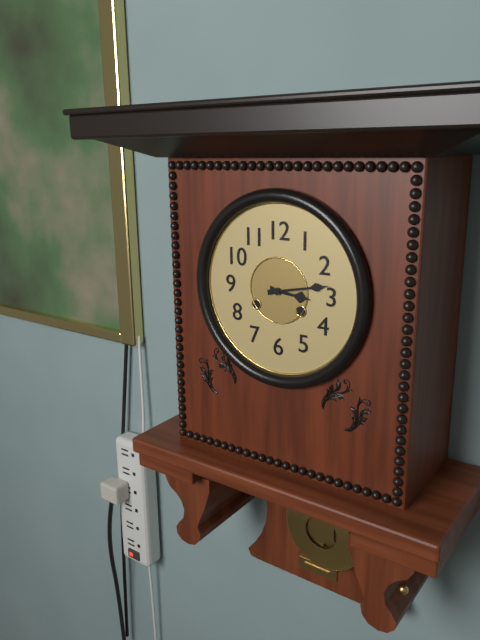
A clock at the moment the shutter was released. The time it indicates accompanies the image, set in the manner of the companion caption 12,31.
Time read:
3,13
